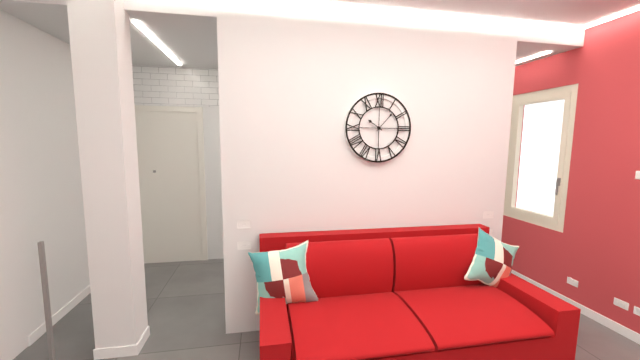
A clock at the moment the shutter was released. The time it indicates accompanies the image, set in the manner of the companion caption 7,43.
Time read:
10,07
